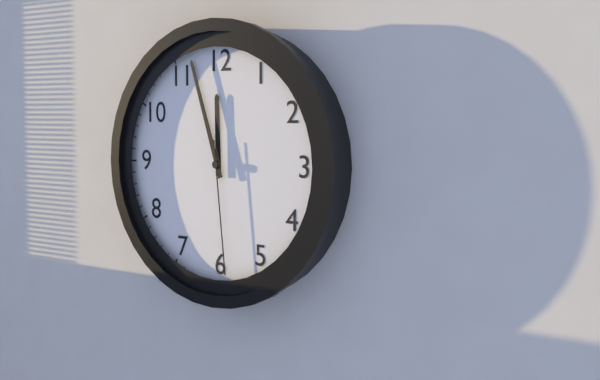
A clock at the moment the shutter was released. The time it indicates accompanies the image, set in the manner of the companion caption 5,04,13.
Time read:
11,57,29
